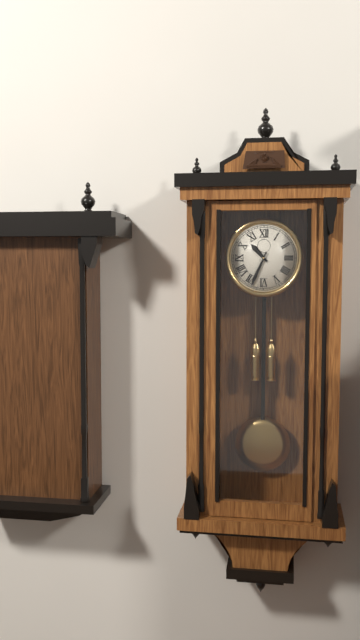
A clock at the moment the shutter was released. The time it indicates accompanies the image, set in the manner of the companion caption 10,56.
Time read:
10,34
